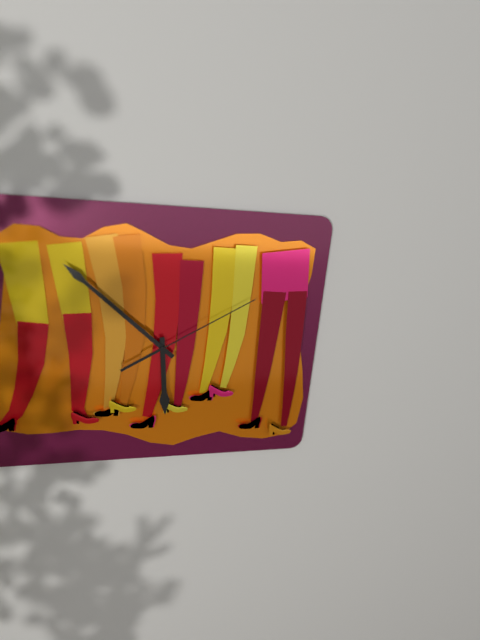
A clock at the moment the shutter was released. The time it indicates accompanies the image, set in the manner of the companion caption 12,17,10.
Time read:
5,52,10
